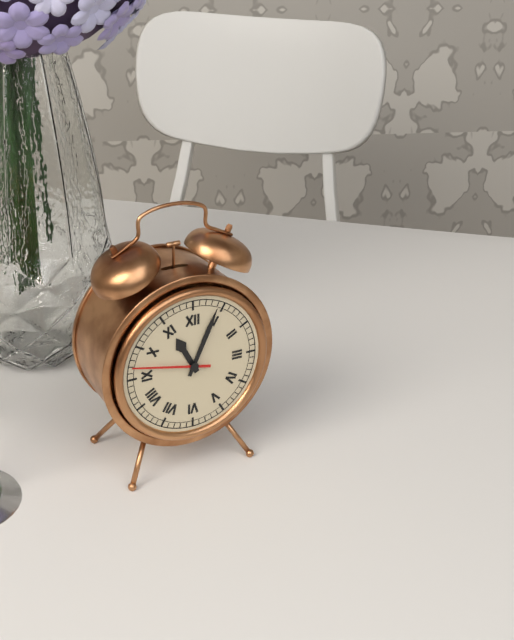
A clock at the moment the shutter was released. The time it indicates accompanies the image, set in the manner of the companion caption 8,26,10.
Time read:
11,04,47
